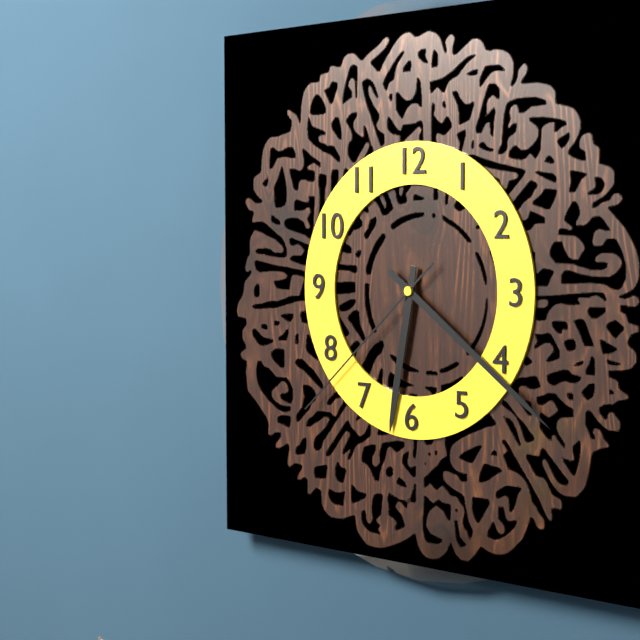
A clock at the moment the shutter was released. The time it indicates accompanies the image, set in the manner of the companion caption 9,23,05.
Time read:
6,21,38
